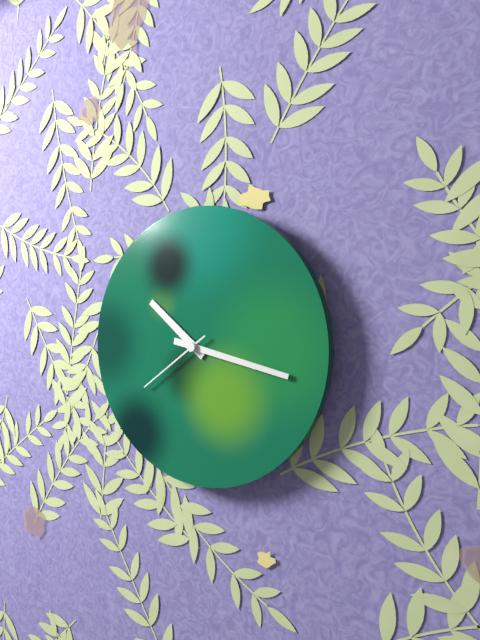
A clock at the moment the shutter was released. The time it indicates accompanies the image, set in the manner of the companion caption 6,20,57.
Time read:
10,17,39
